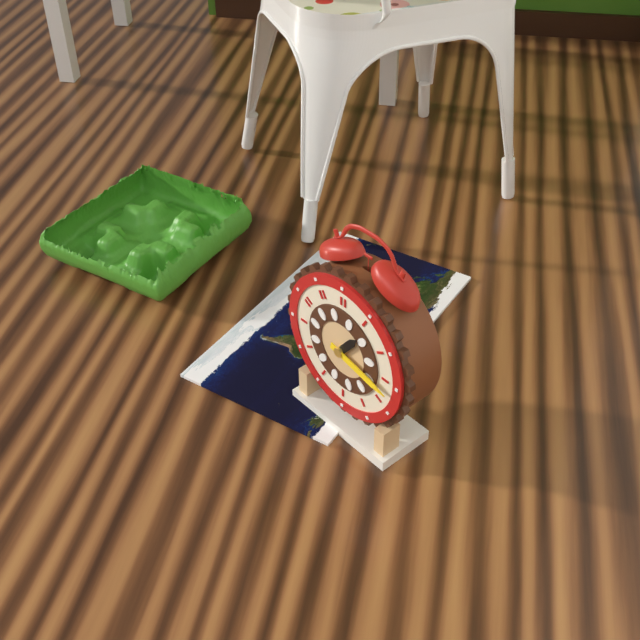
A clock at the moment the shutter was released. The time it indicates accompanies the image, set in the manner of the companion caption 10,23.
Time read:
1,17
